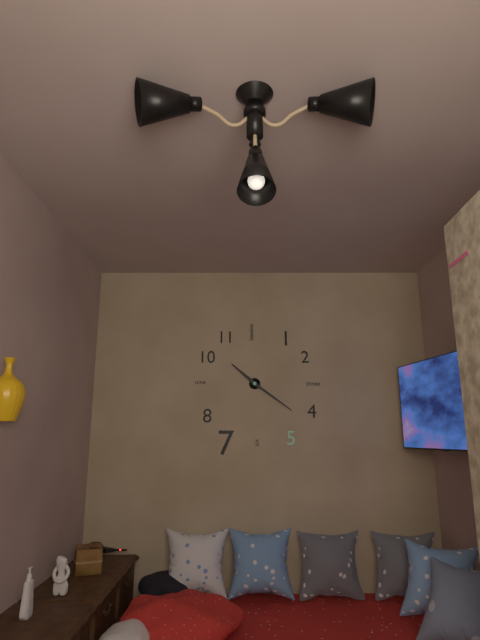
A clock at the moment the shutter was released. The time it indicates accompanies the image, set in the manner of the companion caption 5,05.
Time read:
10,21
